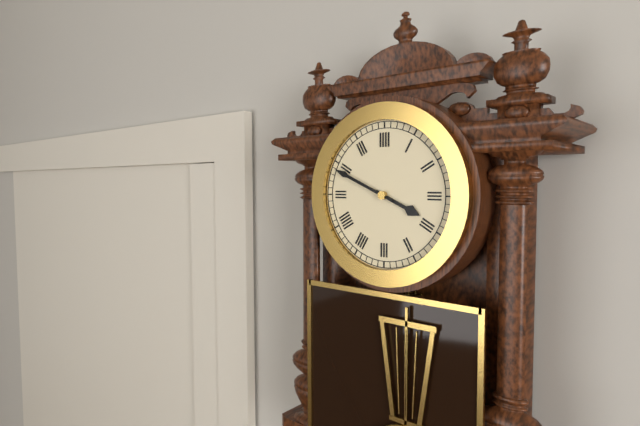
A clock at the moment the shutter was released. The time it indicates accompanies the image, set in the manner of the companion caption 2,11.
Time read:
3,49
